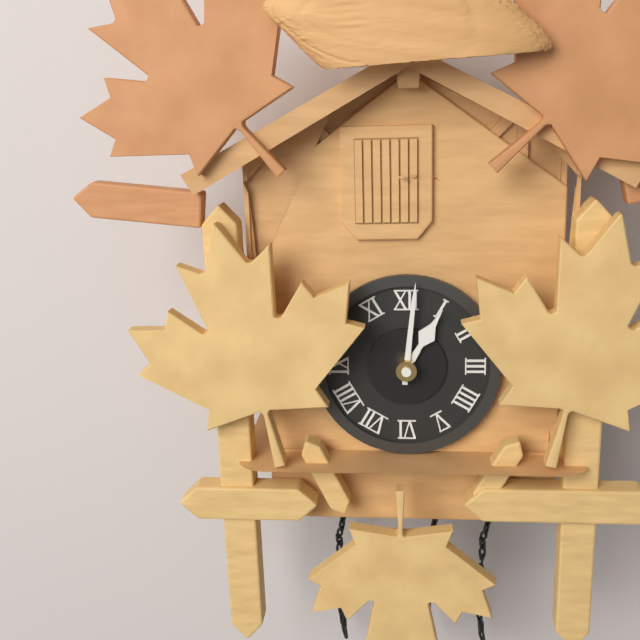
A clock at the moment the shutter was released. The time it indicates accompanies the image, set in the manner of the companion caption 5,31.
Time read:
1,01
